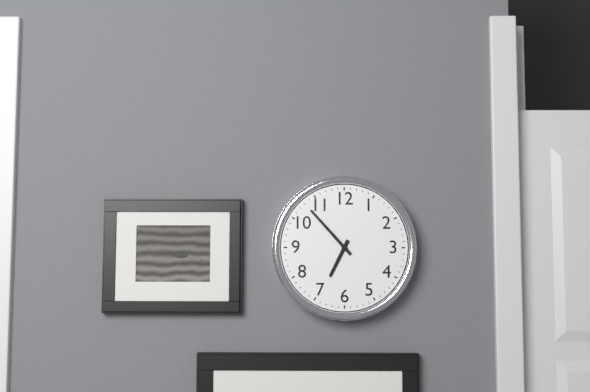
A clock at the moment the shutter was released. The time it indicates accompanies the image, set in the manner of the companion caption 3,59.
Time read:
6,53
